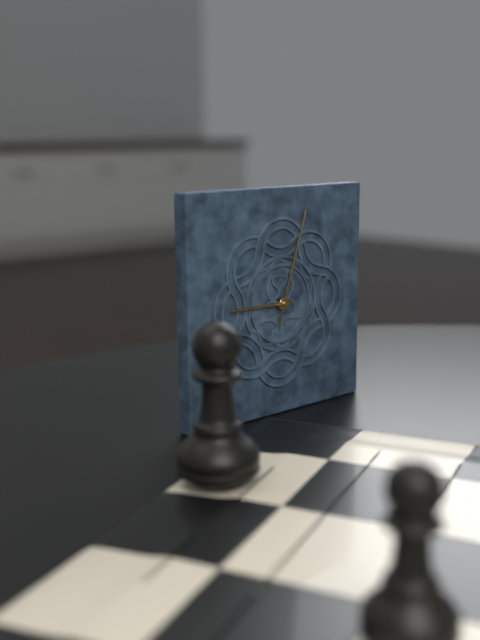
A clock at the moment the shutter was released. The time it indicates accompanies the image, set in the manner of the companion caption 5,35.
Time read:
9,03
